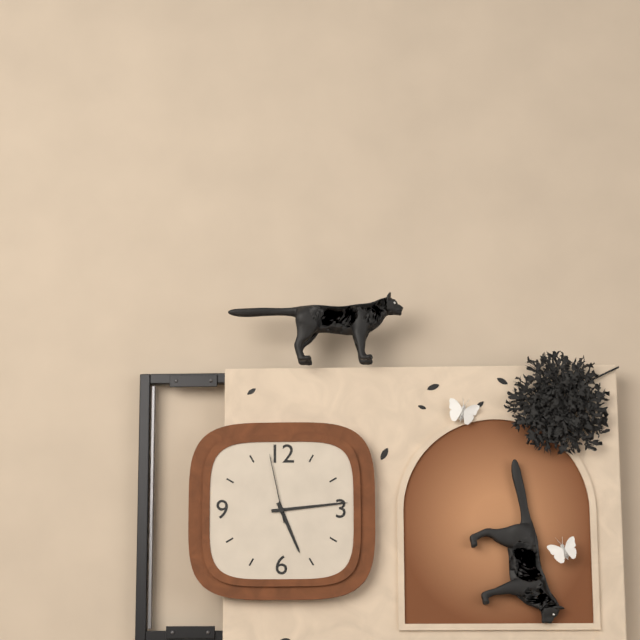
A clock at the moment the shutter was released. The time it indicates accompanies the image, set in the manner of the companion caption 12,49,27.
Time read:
5,14,58
